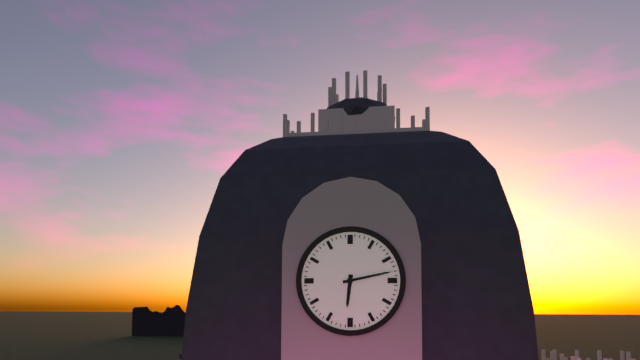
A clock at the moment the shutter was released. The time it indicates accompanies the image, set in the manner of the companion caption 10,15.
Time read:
6,13
